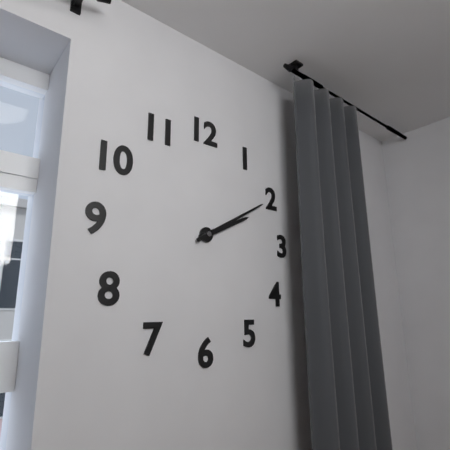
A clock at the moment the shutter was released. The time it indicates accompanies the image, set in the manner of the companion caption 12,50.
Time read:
2,10
